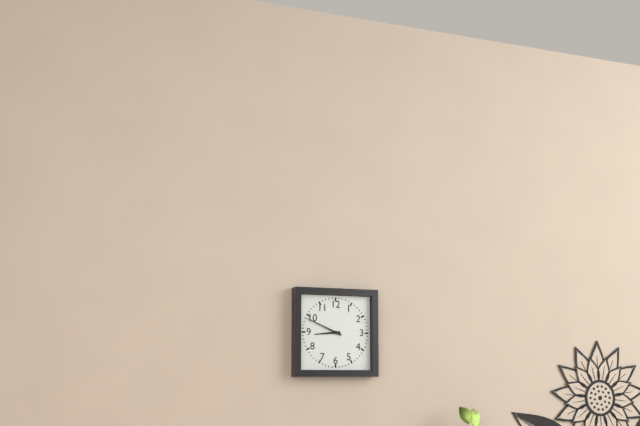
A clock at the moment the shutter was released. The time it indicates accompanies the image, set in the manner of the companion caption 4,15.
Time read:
8,49
